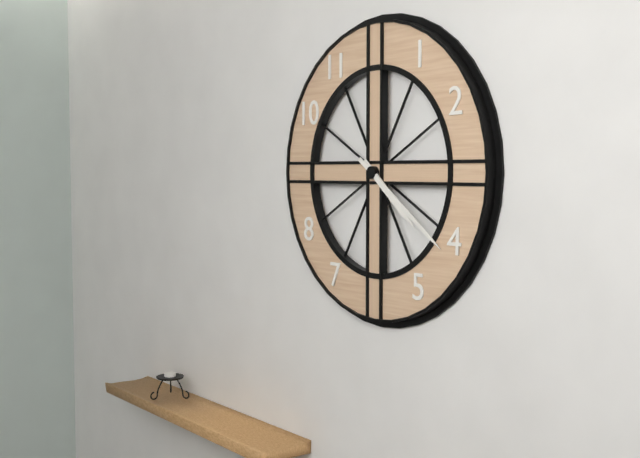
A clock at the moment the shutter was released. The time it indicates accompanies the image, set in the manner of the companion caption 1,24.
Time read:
4,21
